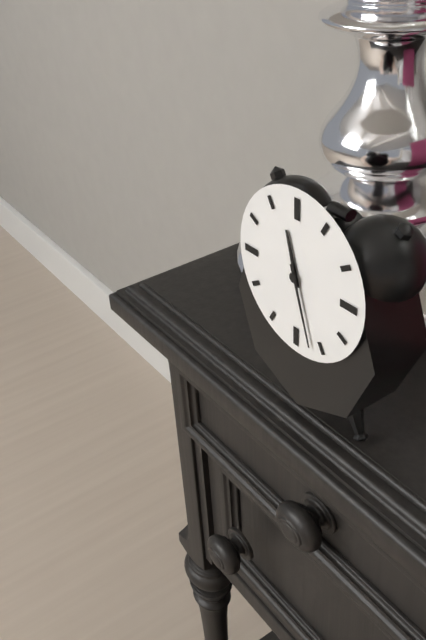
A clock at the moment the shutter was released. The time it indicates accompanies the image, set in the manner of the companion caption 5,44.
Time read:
11,27
